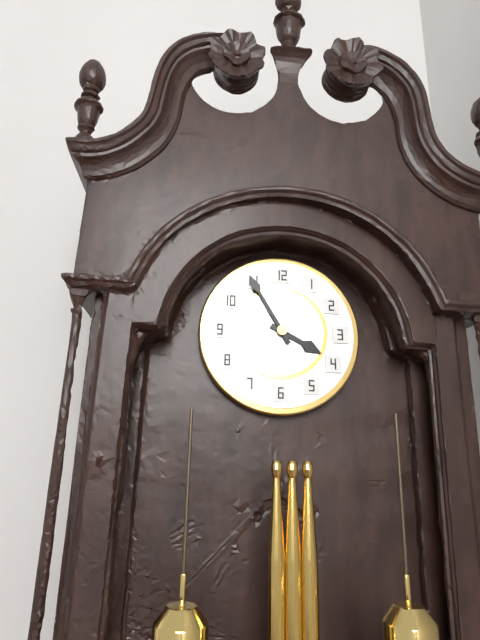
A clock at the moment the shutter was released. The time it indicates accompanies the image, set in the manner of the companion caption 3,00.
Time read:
3,55
